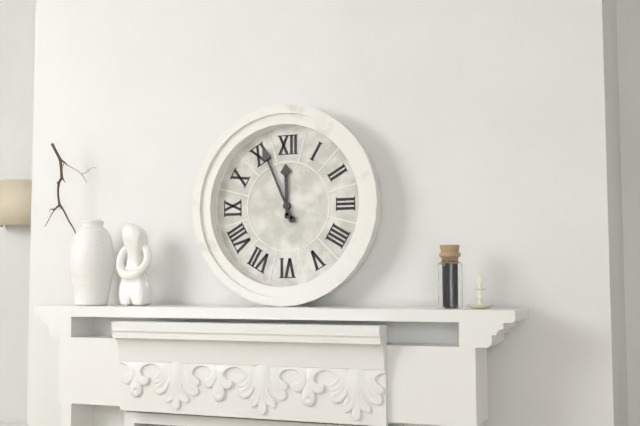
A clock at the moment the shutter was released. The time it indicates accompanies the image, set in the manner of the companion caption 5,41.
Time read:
11,56
